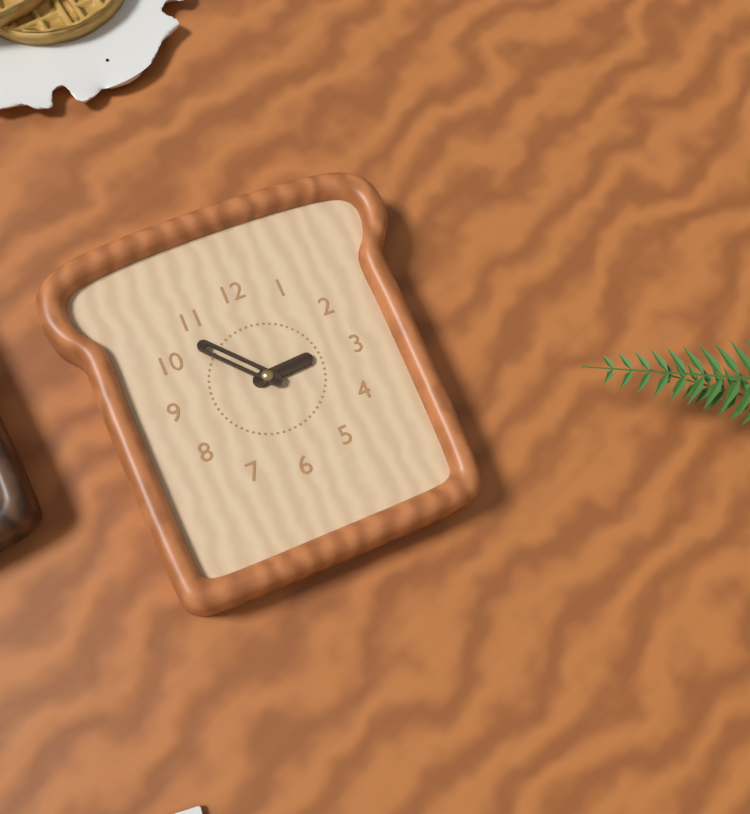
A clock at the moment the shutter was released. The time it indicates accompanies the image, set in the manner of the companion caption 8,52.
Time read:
2,53
